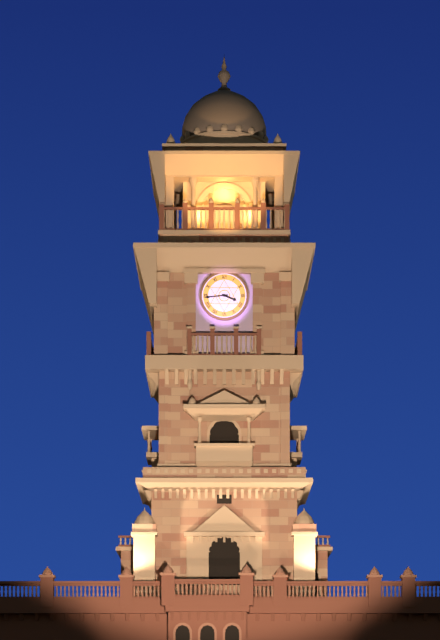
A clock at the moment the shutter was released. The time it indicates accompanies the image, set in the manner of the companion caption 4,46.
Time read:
3,44
